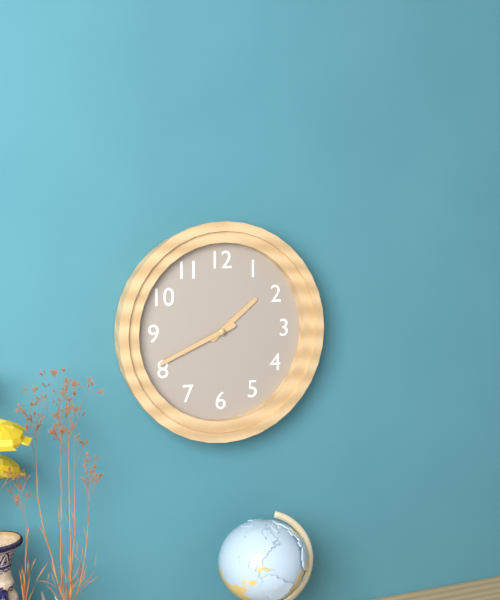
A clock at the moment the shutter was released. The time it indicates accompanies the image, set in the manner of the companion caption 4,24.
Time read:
1,41
